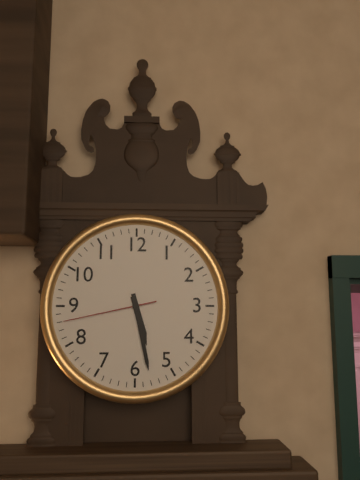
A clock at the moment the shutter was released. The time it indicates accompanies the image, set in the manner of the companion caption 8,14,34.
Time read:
5,28,43
